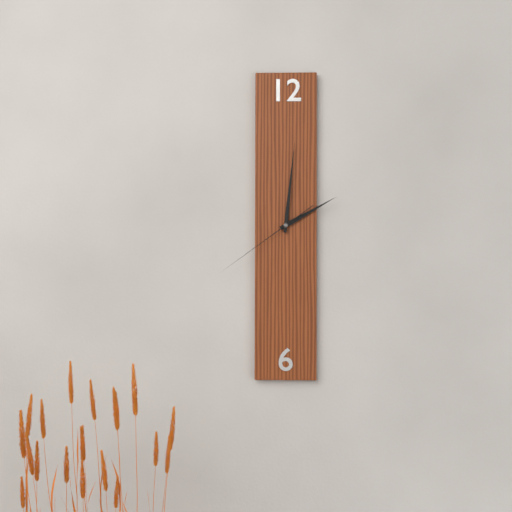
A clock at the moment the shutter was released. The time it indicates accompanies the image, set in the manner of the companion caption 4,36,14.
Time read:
2,01,39
